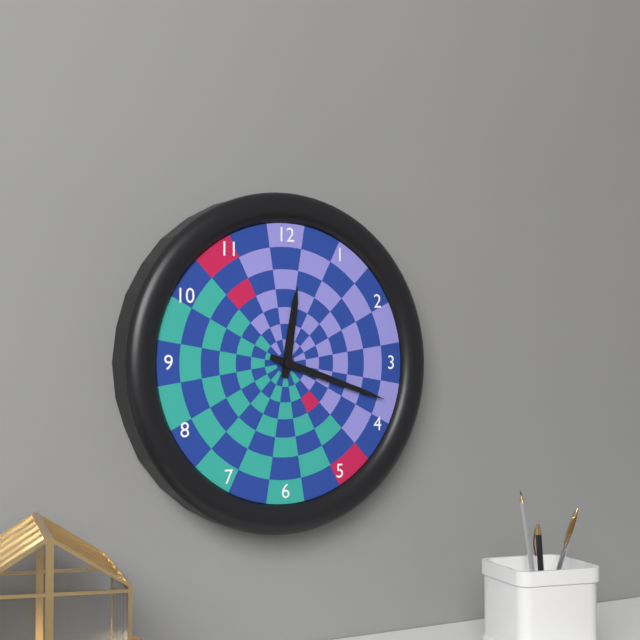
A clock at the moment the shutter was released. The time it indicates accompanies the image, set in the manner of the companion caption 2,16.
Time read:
12,18
